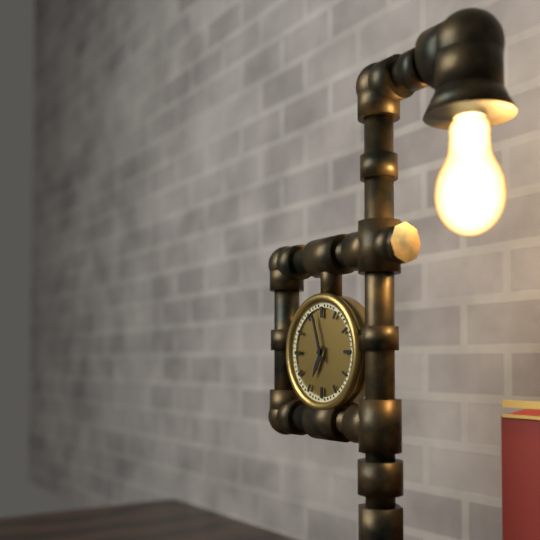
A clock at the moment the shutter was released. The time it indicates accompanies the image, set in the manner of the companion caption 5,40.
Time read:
6,57
